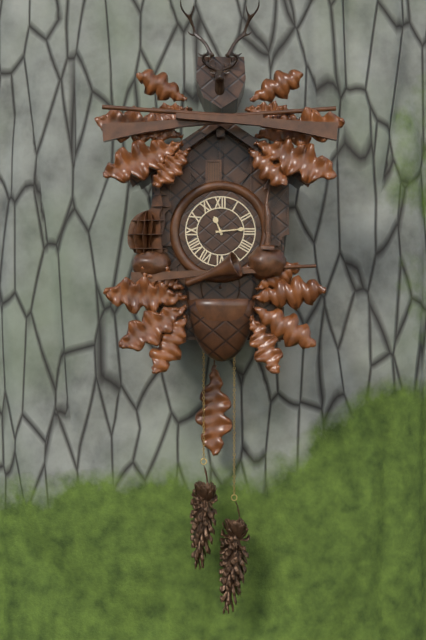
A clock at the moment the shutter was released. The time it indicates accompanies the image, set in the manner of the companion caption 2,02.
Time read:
11,14
